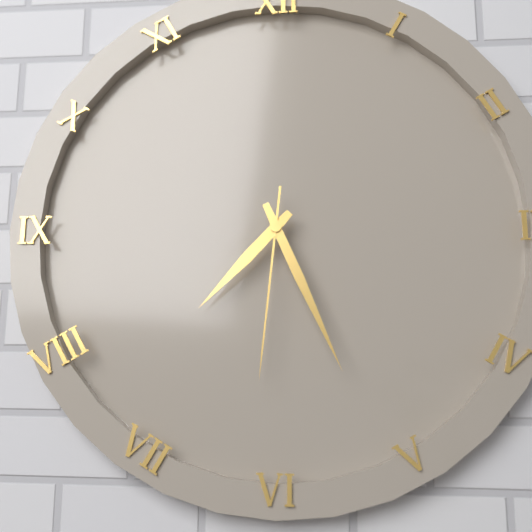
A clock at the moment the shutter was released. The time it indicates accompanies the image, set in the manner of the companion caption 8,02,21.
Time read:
7,26,31
